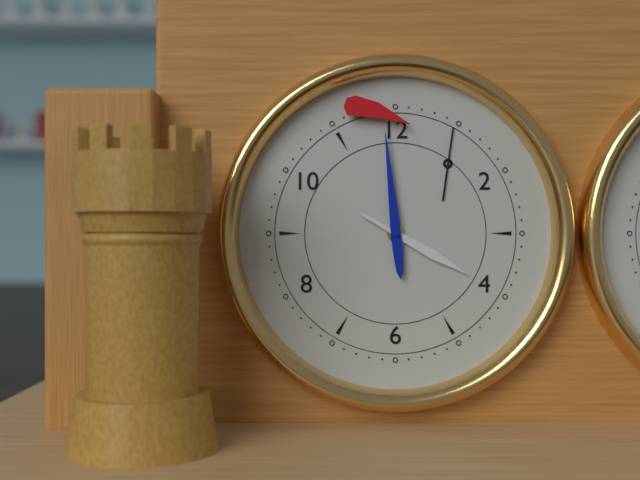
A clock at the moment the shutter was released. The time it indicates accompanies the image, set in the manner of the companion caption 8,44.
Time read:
3,59
